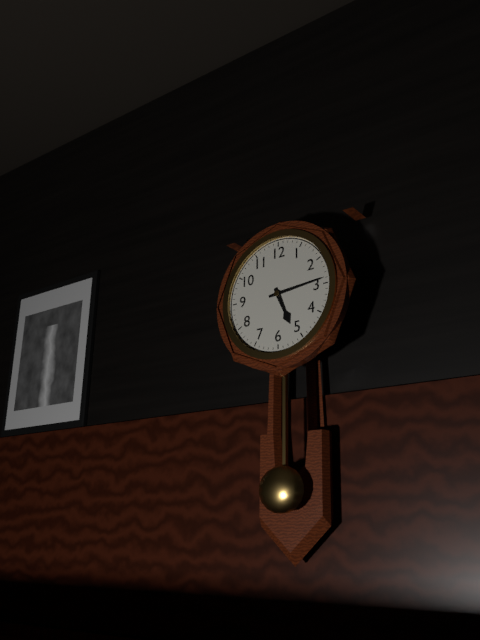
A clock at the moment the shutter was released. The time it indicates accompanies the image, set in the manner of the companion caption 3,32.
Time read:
5,14
